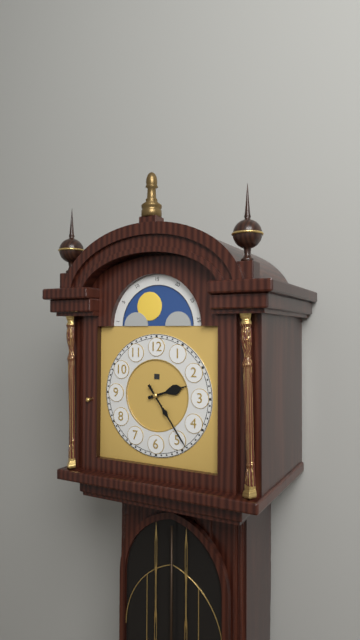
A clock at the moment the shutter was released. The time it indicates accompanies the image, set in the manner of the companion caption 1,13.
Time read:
2,24
